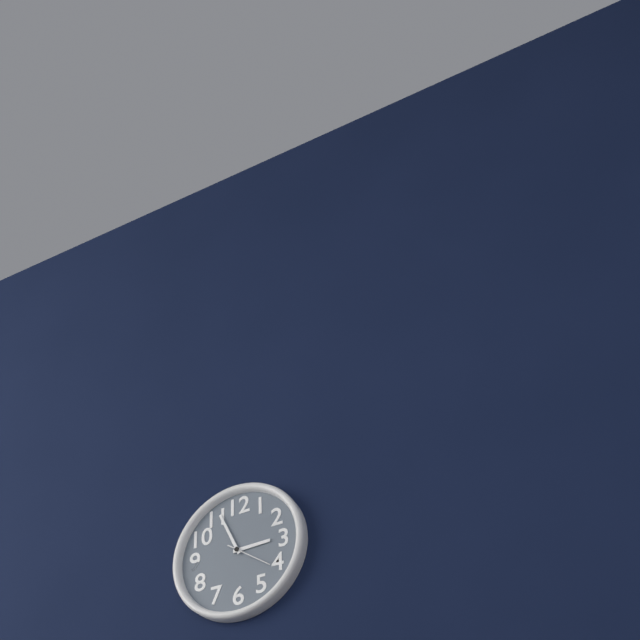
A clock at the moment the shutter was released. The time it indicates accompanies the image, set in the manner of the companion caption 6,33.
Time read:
2,56
